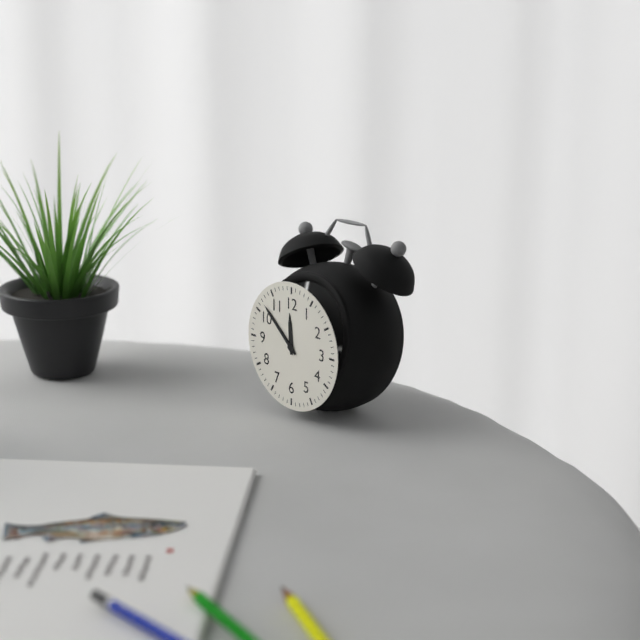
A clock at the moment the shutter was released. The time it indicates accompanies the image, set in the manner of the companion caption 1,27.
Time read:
11,52
